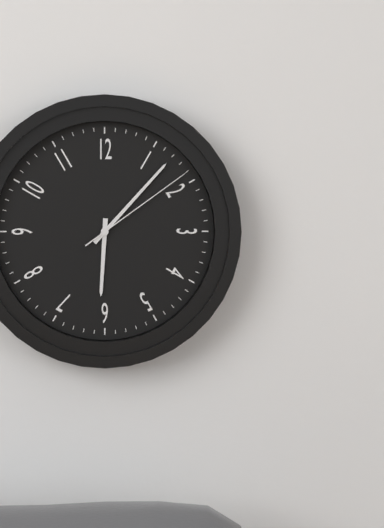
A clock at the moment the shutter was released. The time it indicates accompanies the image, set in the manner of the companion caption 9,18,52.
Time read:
6,07,09
